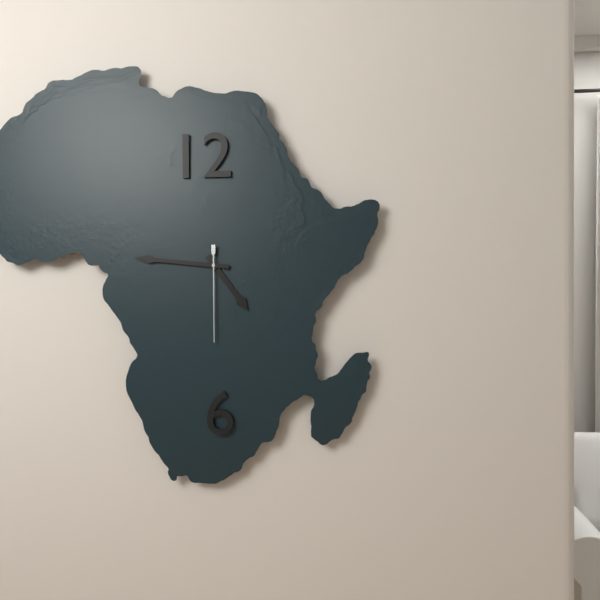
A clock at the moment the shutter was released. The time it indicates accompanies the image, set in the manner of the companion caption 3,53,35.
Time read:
4,46,30
